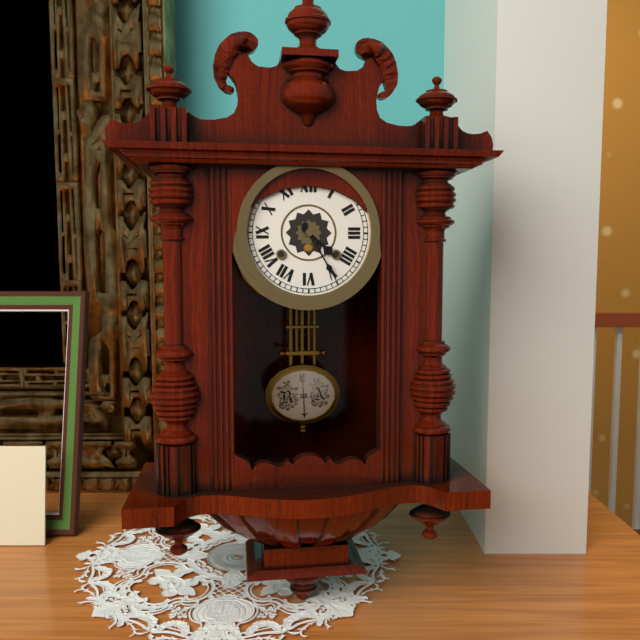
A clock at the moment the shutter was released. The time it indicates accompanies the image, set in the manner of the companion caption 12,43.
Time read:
4,25
